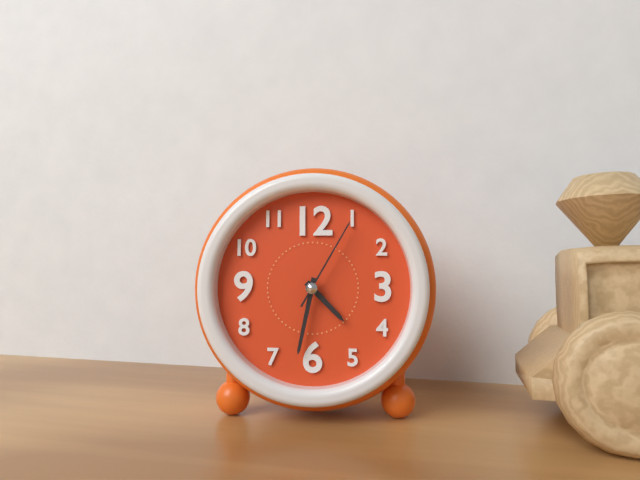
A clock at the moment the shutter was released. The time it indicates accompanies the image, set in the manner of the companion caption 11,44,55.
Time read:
4,32,05
